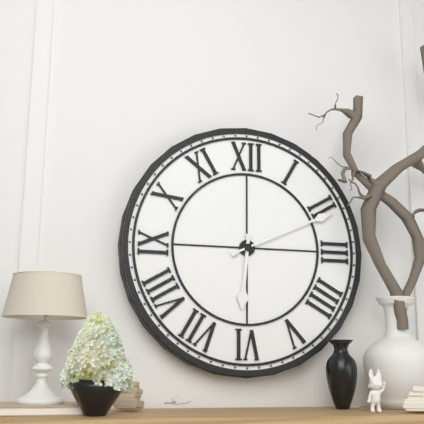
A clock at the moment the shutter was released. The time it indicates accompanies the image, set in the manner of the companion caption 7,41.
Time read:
6,11
